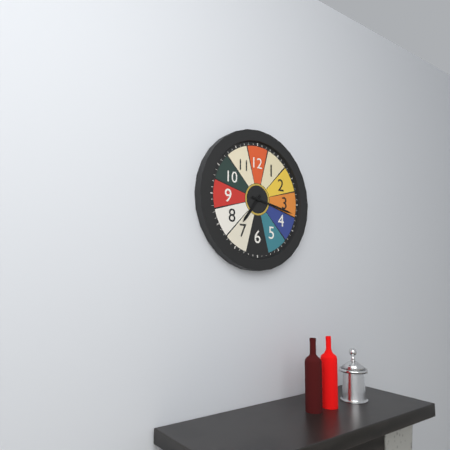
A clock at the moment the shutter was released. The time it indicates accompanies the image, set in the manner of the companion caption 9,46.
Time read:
7,17
